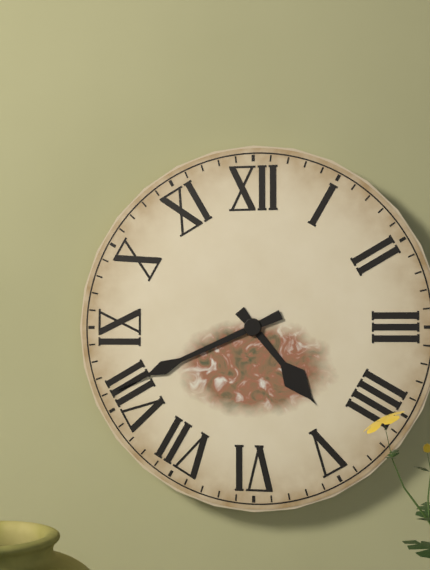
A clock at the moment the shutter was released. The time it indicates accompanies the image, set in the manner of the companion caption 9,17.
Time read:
4,41
